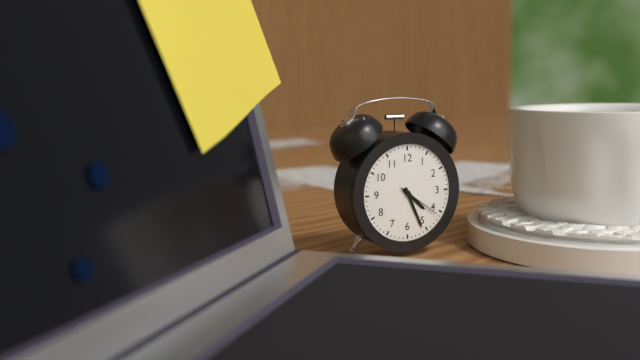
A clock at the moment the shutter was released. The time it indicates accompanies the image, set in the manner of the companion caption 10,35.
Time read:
4,26
